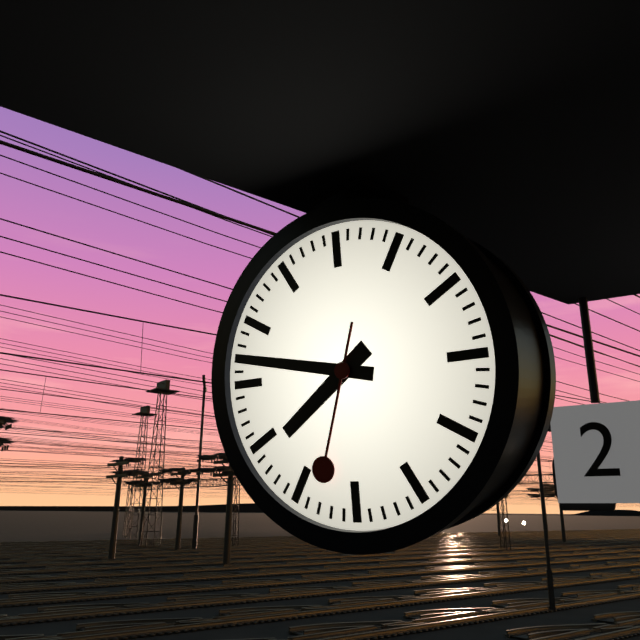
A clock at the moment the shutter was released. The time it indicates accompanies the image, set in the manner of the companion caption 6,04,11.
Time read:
7,47,33
